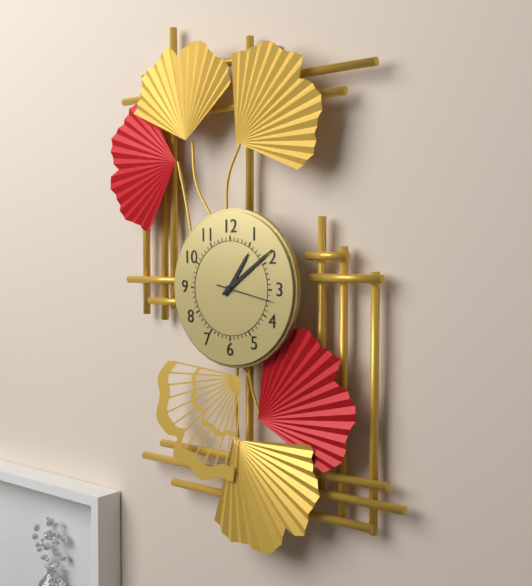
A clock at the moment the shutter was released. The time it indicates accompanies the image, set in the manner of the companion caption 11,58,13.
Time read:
1,09,17
